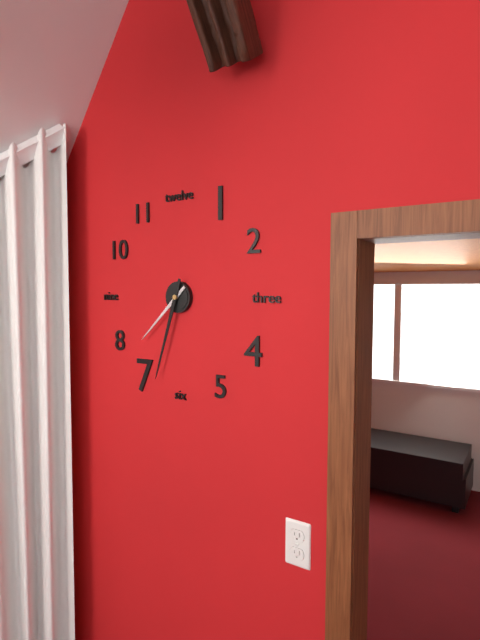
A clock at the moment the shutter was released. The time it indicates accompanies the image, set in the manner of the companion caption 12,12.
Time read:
7,33
